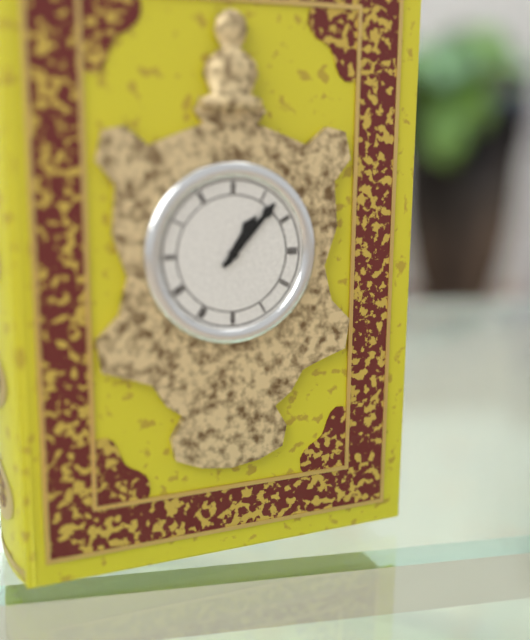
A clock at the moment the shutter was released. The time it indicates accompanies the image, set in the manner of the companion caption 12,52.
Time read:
1,07
